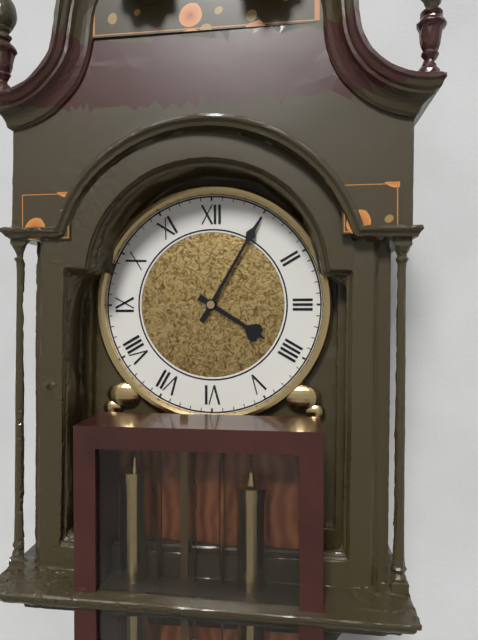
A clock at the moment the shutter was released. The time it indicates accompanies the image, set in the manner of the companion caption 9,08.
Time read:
4,05
